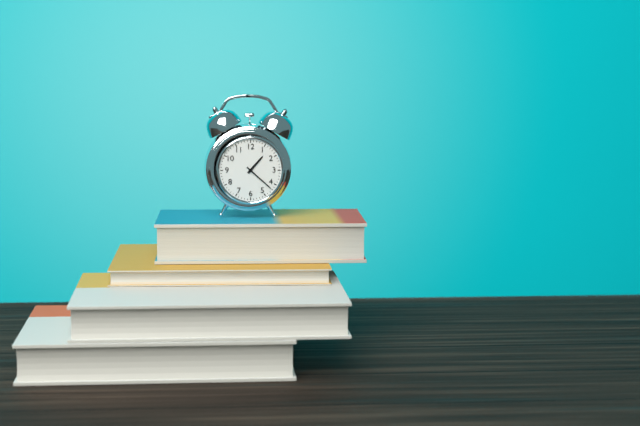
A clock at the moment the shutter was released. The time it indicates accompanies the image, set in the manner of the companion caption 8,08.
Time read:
1,22
